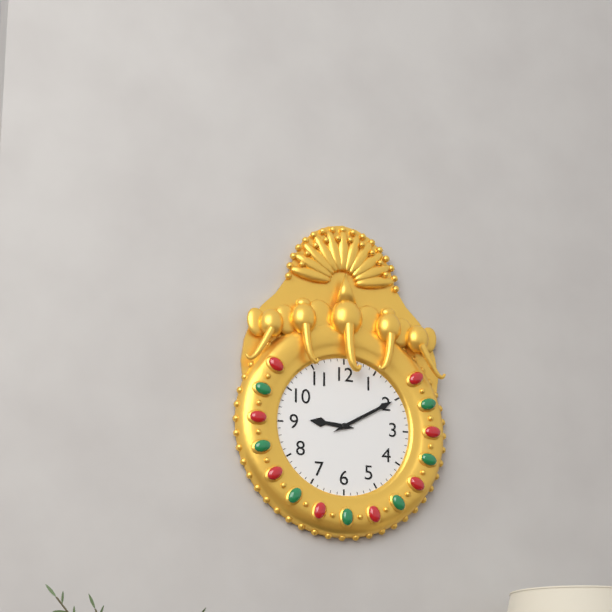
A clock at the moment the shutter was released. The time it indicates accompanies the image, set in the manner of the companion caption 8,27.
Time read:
9,10
